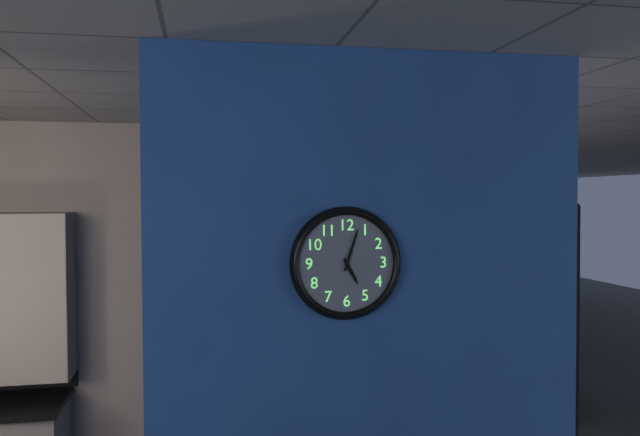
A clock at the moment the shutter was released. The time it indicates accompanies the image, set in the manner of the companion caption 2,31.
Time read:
5,03
